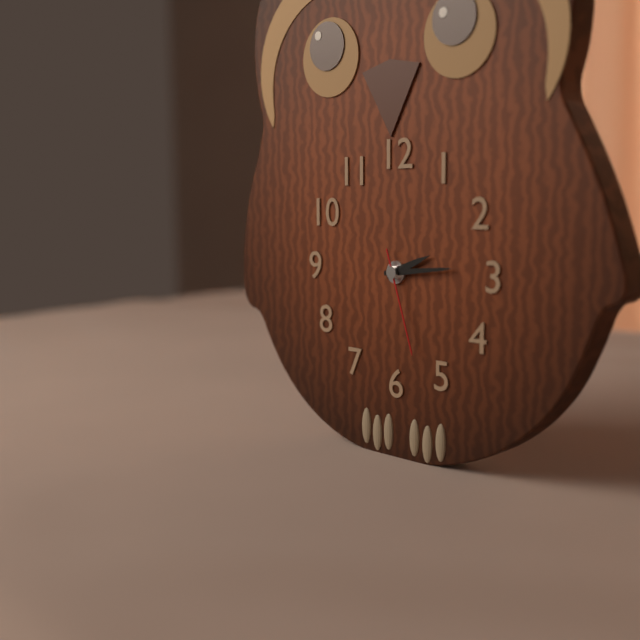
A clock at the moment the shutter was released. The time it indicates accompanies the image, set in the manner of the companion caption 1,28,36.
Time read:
2,14,27
